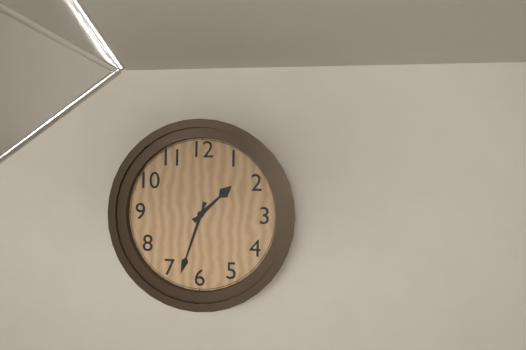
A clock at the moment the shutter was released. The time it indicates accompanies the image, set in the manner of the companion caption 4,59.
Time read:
1,33
